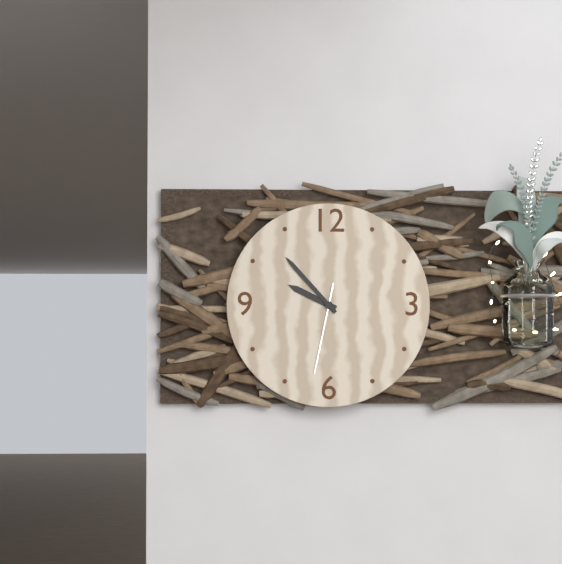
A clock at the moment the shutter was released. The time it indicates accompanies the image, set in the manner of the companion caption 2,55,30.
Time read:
9,53,32
